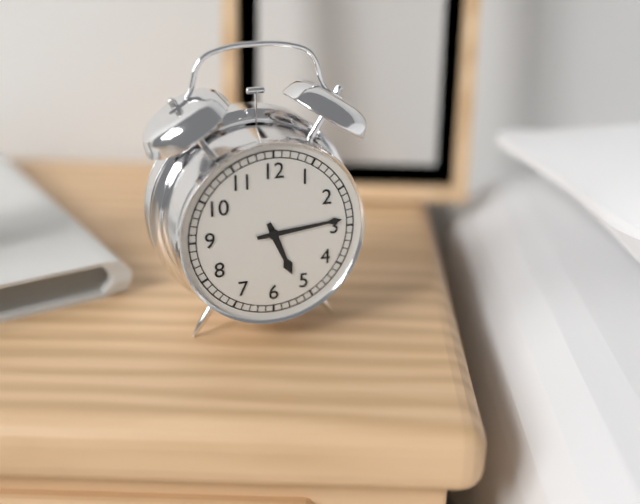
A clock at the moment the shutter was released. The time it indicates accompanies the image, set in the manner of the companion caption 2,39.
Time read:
5,14
